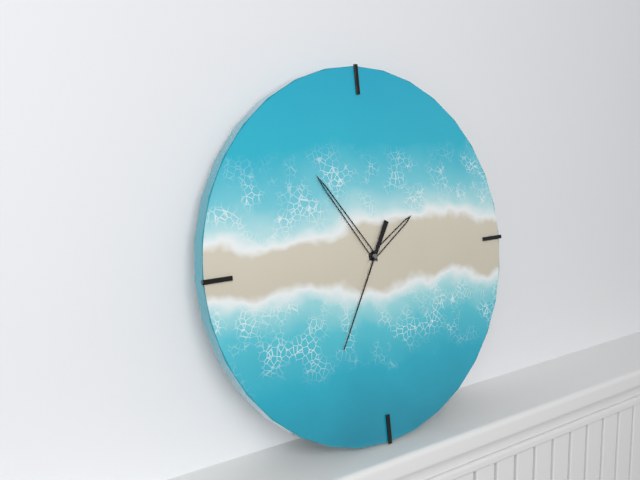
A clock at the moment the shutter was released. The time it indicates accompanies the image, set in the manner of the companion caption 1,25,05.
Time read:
1,54,35
